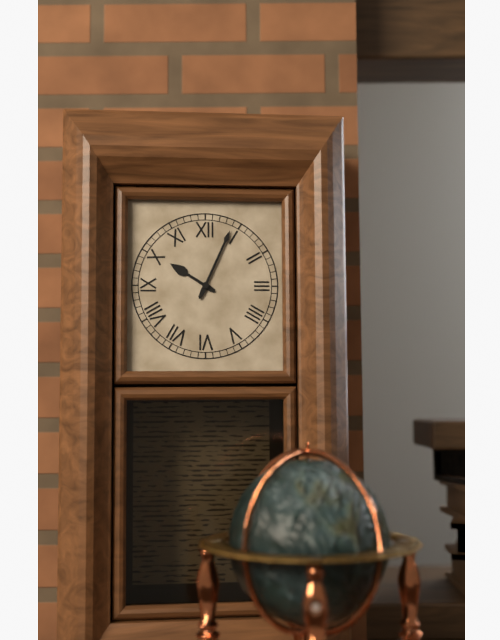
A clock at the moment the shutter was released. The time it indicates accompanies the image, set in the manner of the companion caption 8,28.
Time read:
10,04
